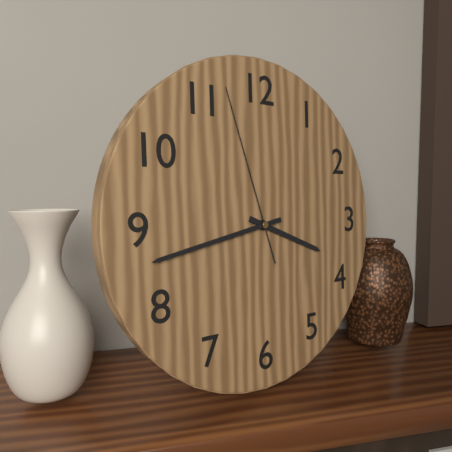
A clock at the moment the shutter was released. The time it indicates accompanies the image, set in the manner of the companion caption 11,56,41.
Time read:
3,43,57
